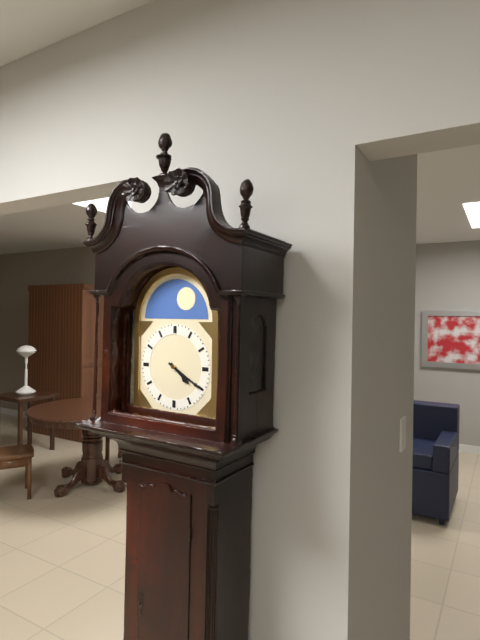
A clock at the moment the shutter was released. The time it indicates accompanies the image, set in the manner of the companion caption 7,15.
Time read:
4,20
